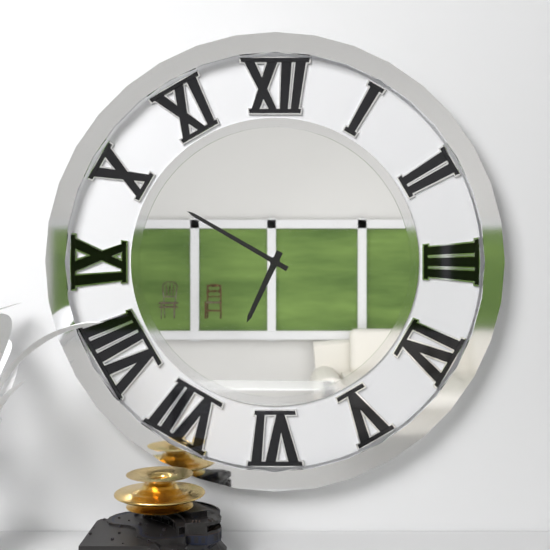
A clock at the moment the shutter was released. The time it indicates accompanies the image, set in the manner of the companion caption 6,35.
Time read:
6,50
